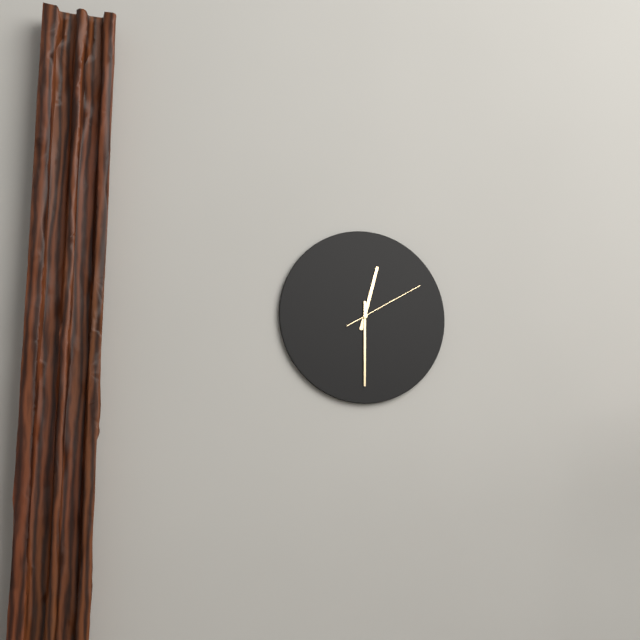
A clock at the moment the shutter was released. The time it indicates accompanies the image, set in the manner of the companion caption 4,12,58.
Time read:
12,30,10
